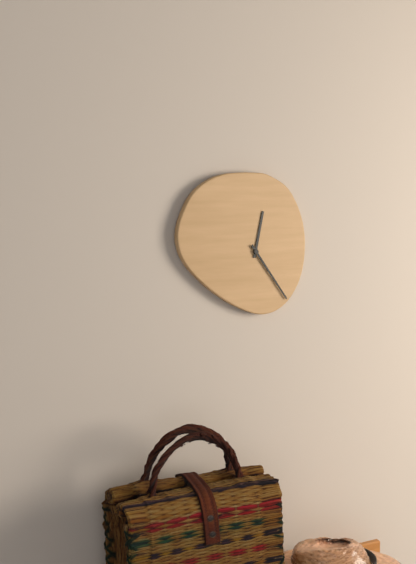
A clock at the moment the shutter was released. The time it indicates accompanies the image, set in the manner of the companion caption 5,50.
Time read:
12,24
